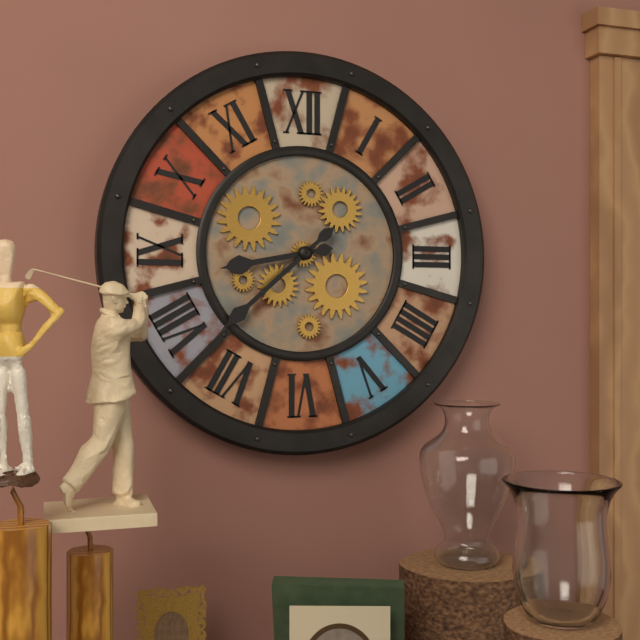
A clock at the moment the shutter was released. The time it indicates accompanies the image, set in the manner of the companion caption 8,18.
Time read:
8,38
